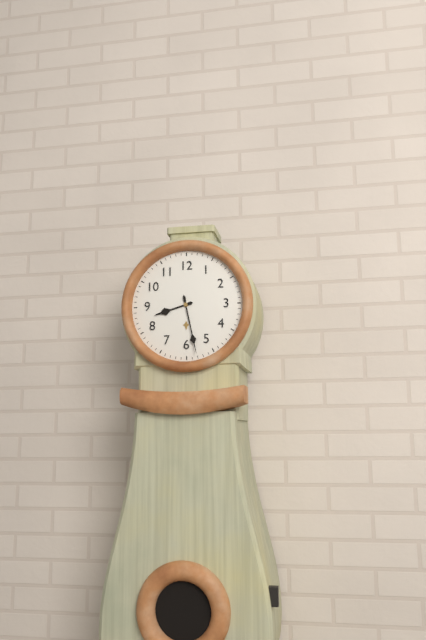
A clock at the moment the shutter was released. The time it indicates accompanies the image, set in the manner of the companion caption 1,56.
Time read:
8,28
